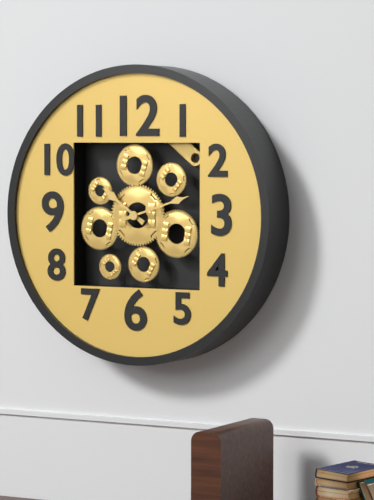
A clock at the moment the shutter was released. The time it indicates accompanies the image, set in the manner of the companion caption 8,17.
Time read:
10,12
